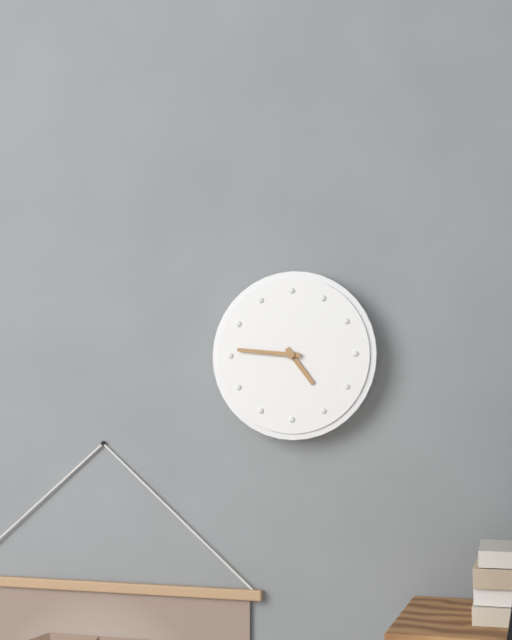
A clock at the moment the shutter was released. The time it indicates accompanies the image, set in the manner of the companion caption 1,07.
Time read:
4,46
